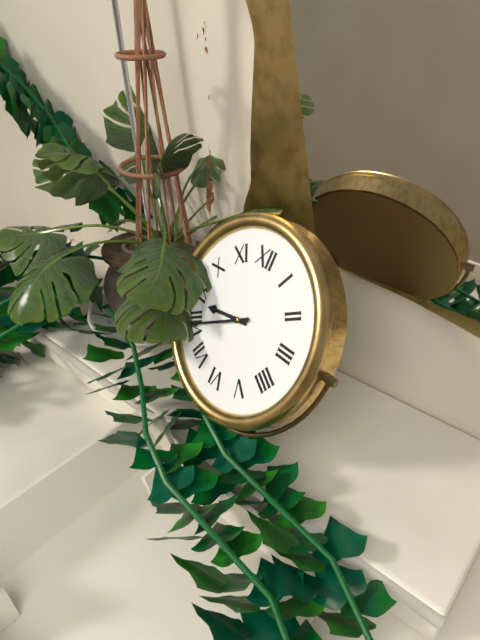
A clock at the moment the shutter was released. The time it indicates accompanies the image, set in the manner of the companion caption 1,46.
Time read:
8,40
